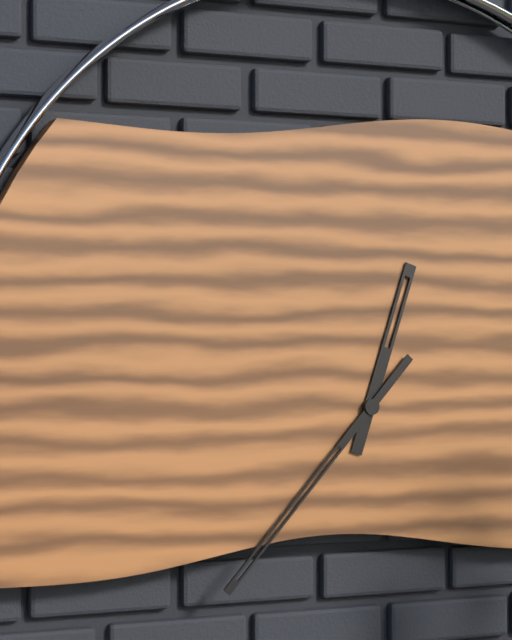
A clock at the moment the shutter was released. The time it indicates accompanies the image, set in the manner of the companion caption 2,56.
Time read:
12,37
